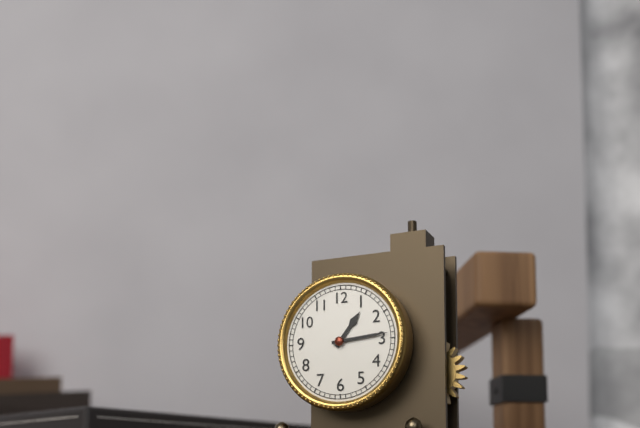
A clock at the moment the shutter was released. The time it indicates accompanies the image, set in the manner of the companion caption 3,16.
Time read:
1,14
